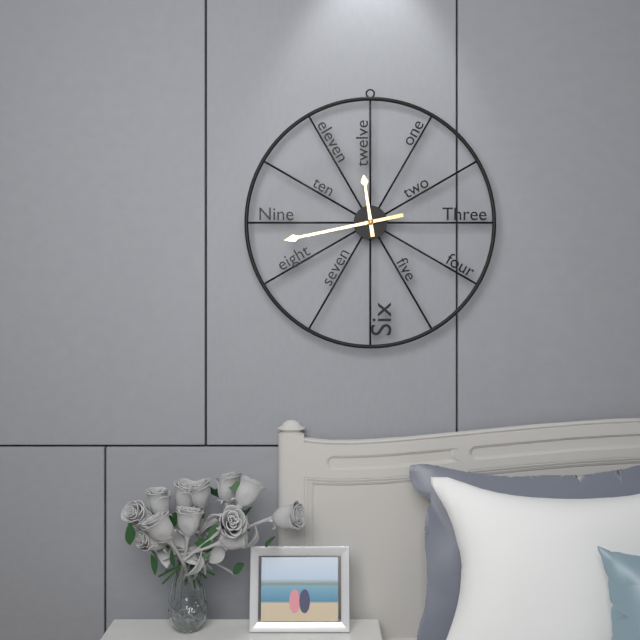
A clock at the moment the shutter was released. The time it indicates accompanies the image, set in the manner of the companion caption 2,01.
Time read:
11,43
